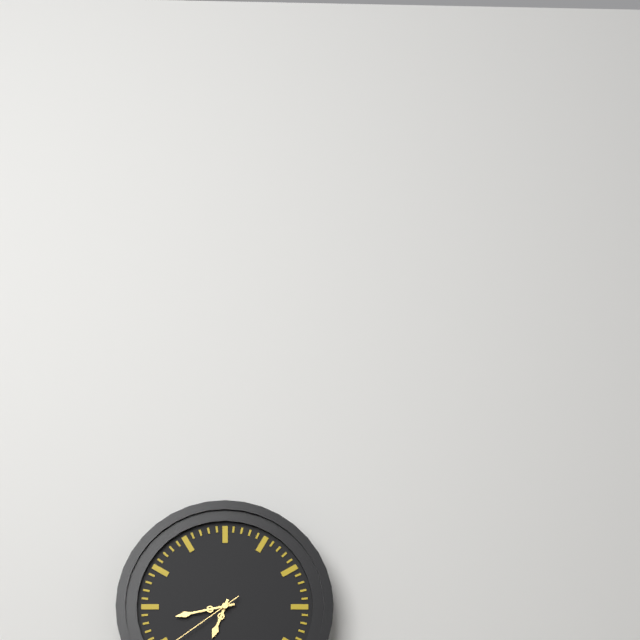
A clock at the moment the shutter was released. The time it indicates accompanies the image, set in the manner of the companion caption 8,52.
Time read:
6,43
